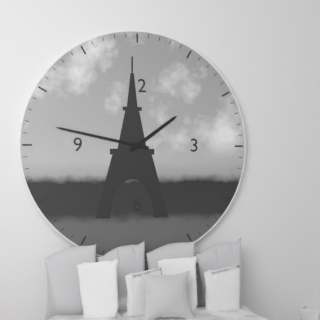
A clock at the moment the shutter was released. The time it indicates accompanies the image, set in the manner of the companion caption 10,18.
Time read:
1,47
